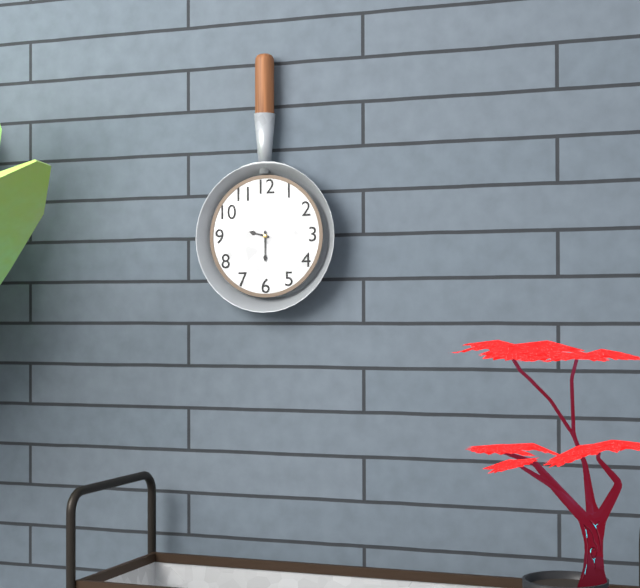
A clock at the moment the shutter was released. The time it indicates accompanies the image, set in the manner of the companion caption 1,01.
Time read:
9,30
